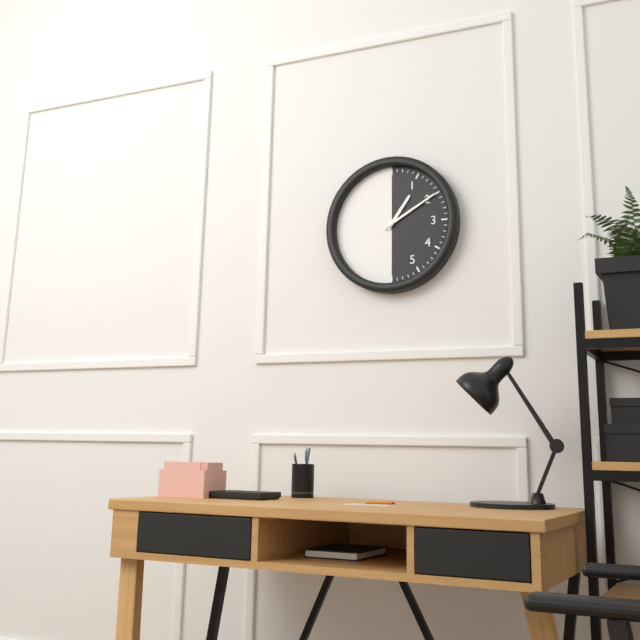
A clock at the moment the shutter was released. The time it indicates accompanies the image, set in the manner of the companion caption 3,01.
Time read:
1,10
